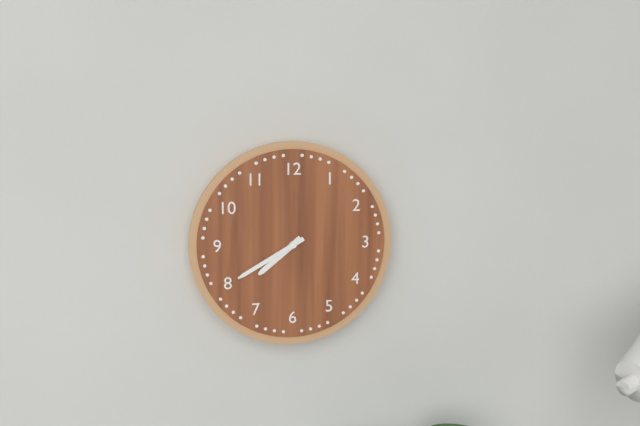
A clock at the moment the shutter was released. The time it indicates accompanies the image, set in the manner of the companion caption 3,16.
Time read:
7,40
